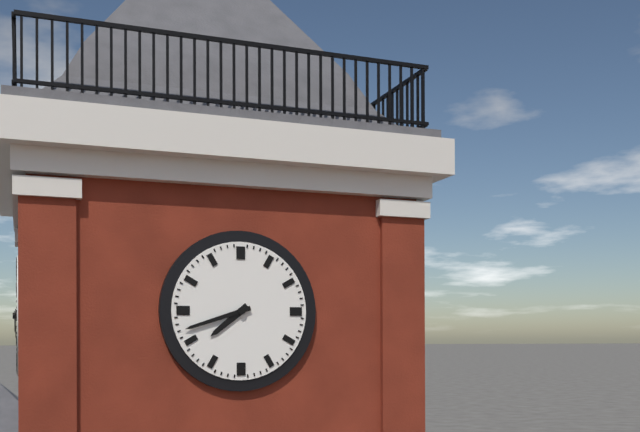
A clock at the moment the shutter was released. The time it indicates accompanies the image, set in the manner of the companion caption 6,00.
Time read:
7,42
